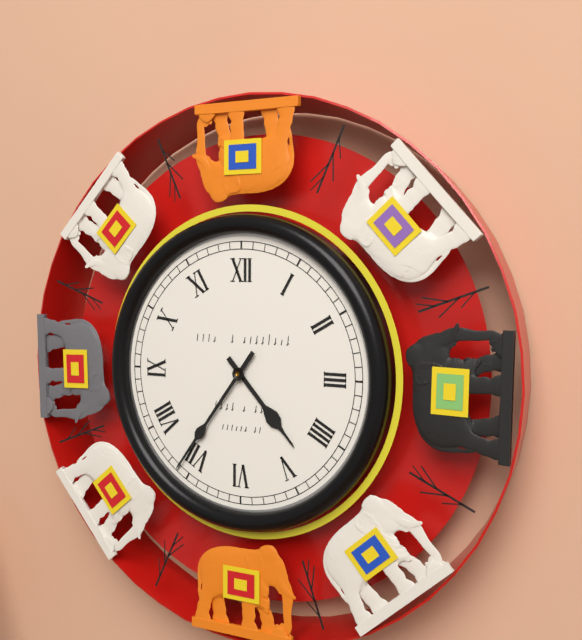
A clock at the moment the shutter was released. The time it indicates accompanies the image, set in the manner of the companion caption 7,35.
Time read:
4,36
